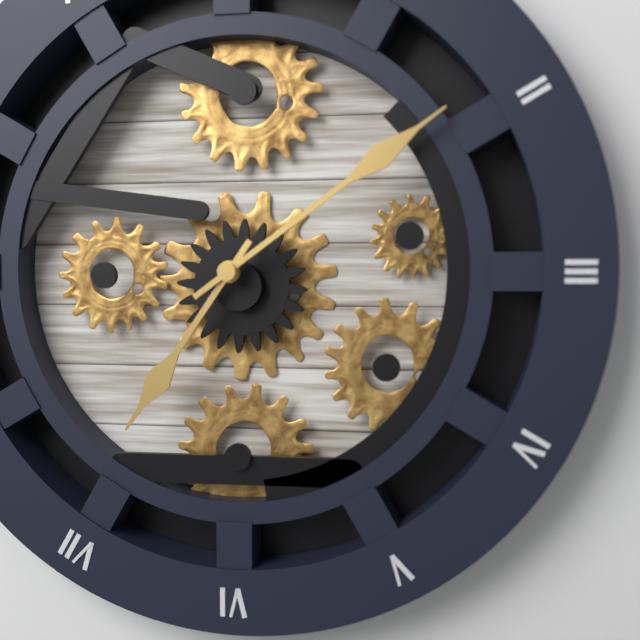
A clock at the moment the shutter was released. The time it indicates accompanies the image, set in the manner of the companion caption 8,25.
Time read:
7,09
